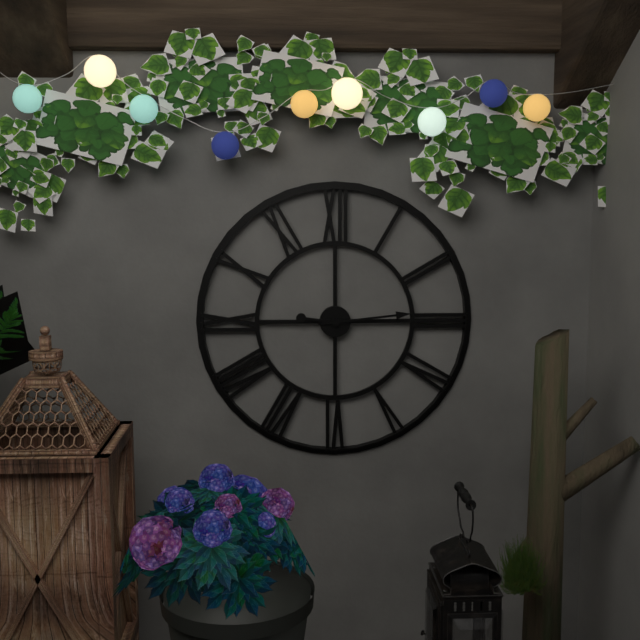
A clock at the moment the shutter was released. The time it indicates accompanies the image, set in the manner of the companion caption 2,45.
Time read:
9,14
